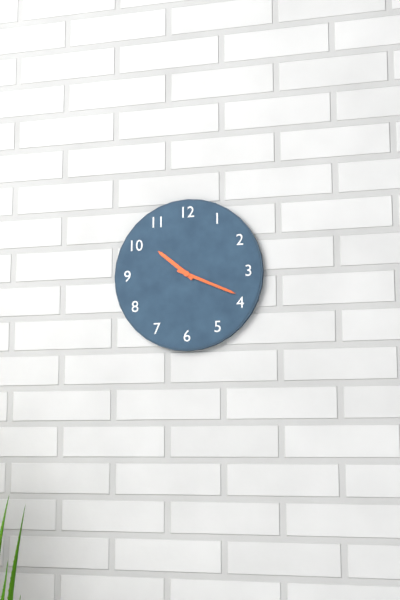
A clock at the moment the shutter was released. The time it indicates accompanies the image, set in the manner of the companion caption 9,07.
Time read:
10,19
